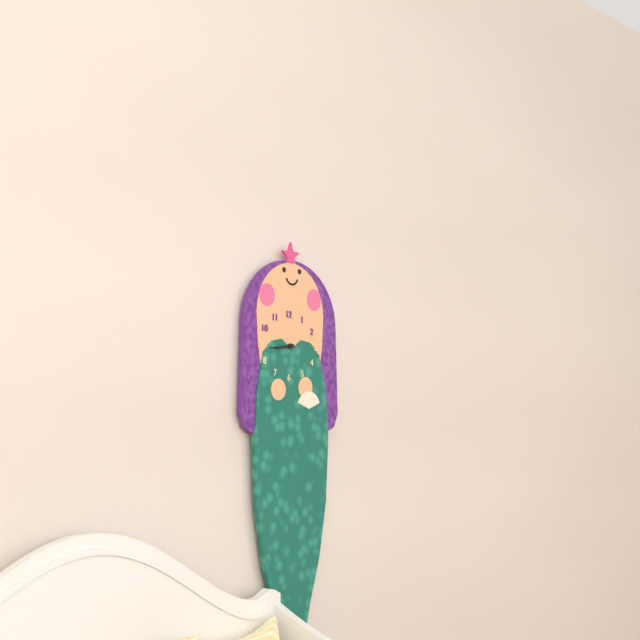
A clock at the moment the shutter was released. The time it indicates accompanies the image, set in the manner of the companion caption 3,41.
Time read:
8,44
